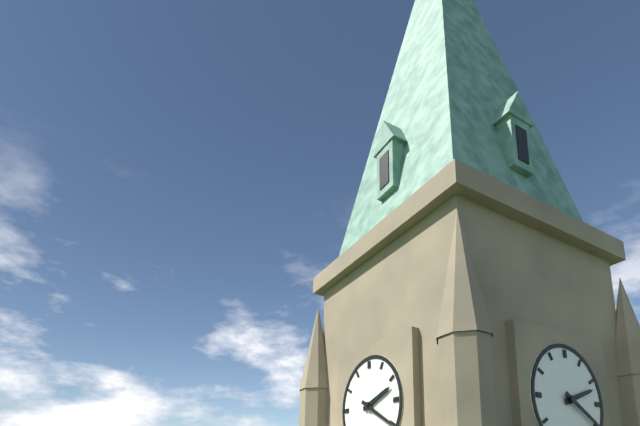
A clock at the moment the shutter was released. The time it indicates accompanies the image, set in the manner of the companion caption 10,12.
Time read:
2,20
